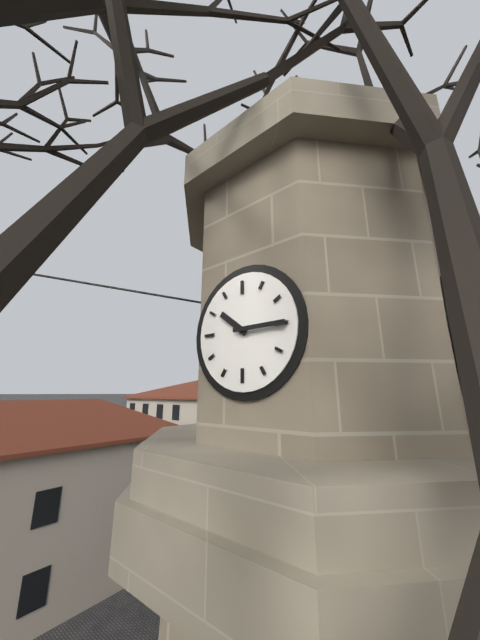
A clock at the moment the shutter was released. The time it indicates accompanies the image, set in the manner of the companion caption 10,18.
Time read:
10,15
